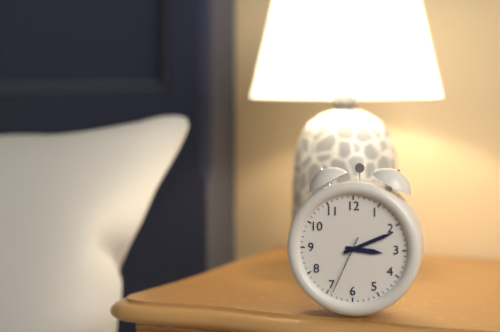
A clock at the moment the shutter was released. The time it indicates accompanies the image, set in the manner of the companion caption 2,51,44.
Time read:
3,11,34
